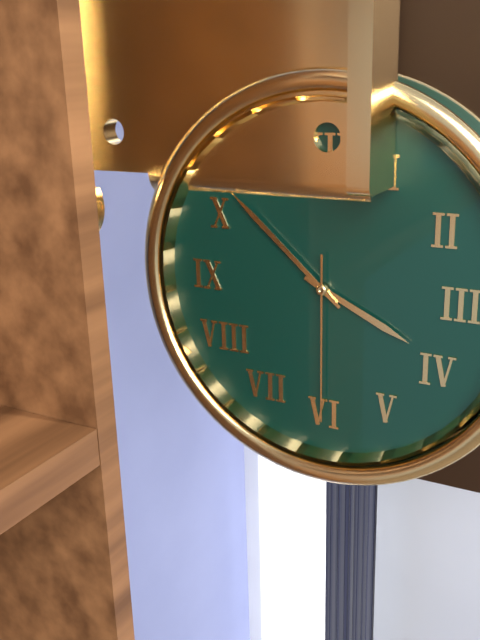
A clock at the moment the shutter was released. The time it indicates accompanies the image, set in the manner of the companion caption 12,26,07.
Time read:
3,52,30
